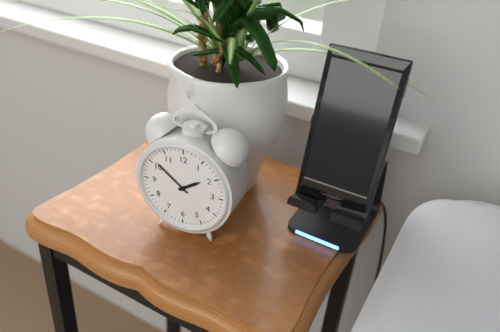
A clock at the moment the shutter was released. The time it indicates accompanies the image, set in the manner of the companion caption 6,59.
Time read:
1,51
